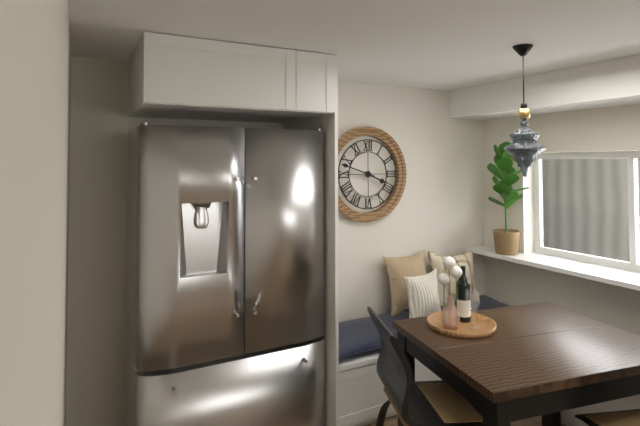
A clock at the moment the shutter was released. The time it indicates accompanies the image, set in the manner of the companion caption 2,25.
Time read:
3,48
